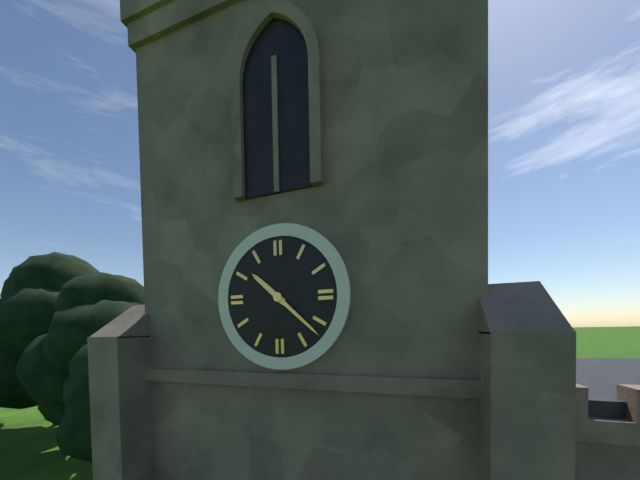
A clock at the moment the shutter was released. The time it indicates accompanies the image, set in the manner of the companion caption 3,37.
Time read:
10,22
